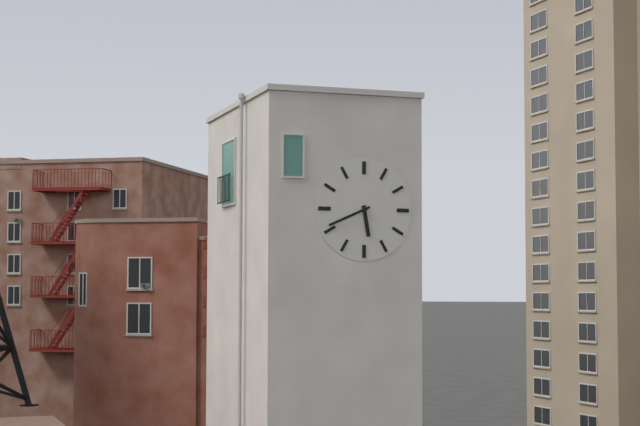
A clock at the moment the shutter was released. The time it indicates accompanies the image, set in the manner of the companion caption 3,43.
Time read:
5,41
